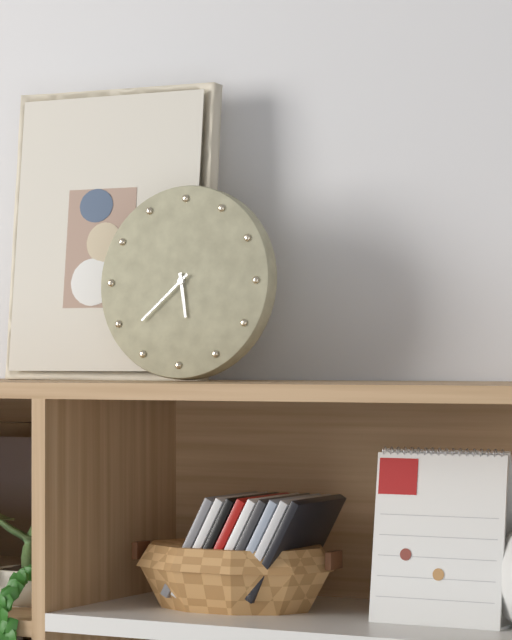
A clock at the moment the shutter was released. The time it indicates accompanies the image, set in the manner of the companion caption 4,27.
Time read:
5,38
